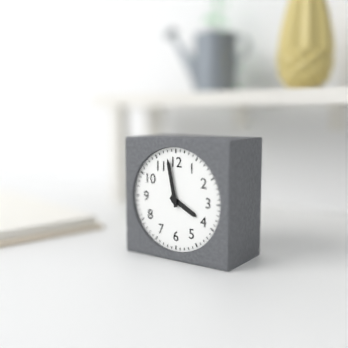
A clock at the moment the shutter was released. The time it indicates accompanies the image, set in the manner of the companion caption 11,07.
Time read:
3,58
